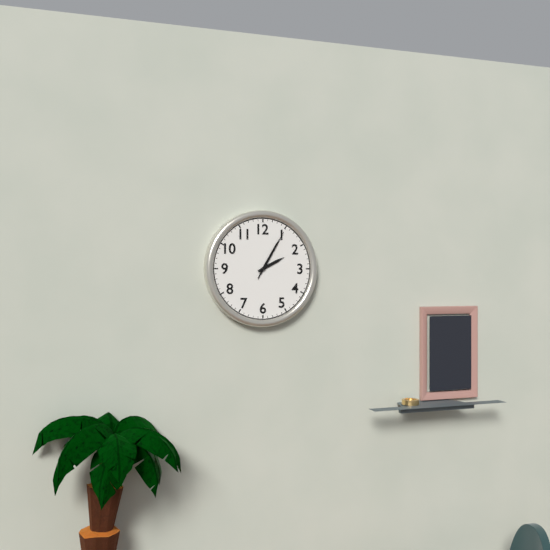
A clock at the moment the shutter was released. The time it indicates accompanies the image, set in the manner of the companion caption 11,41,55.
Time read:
2,05,05
